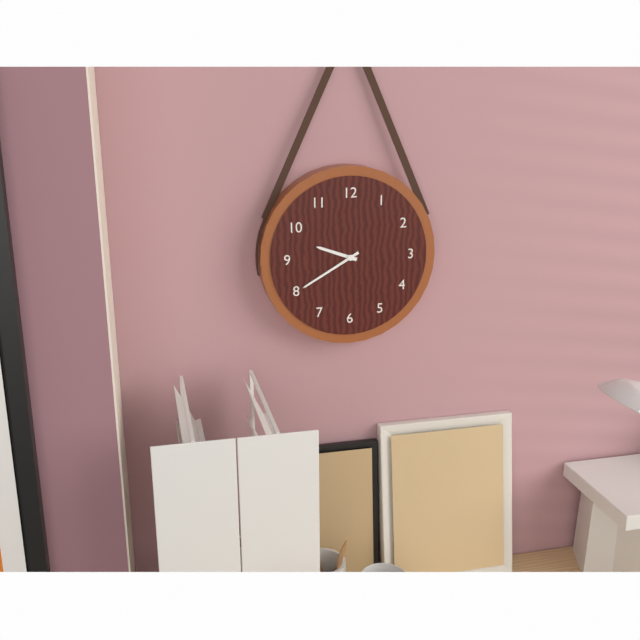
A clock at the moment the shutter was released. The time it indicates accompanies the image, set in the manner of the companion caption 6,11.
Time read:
9,40
